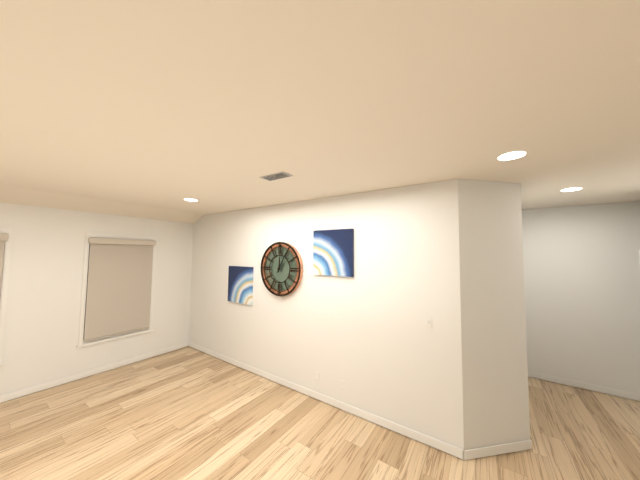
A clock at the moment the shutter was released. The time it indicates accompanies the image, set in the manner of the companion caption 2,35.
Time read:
12,05
